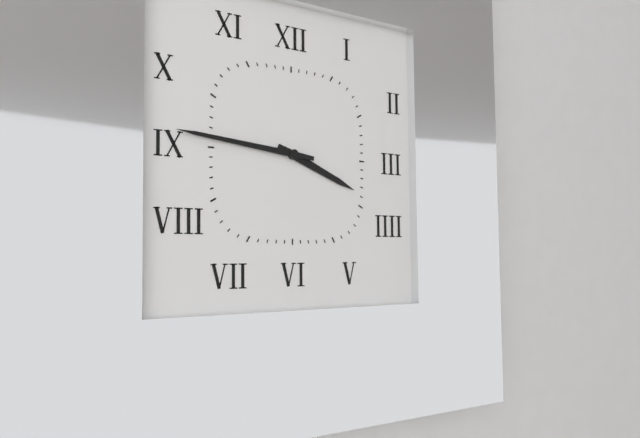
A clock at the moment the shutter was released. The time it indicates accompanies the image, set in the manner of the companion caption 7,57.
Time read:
3,46
